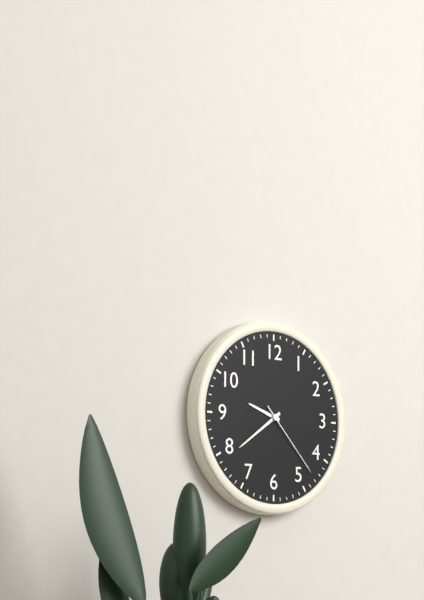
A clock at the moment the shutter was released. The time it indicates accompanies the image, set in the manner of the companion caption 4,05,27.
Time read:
9,39,23
